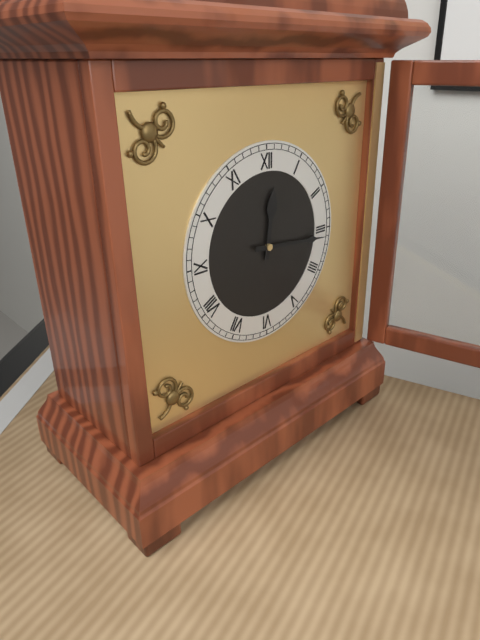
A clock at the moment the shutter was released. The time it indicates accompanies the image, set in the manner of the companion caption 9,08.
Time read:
12,16
